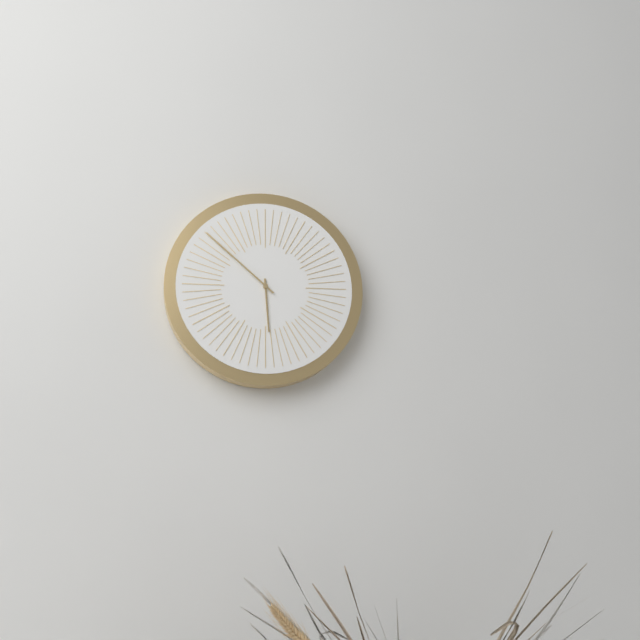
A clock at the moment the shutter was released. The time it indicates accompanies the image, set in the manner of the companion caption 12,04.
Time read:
5,52
